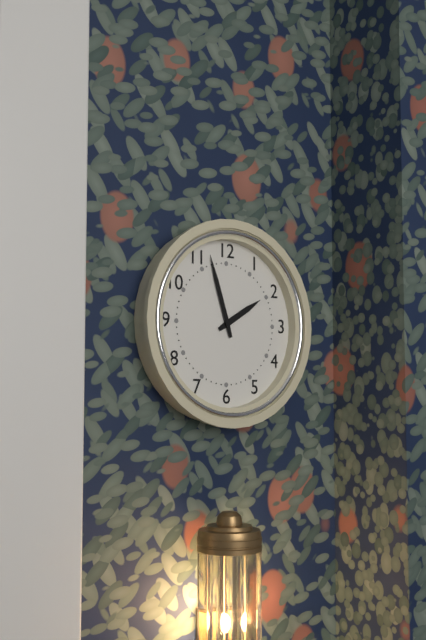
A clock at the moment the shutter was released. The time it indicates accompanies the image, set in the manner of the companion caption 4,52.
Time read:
1,57
